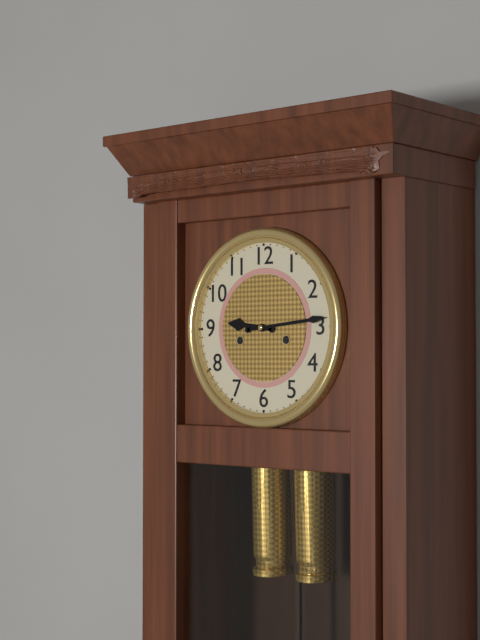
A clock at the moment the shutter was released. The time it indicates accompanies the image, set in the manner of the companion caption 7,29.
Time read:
9,14
